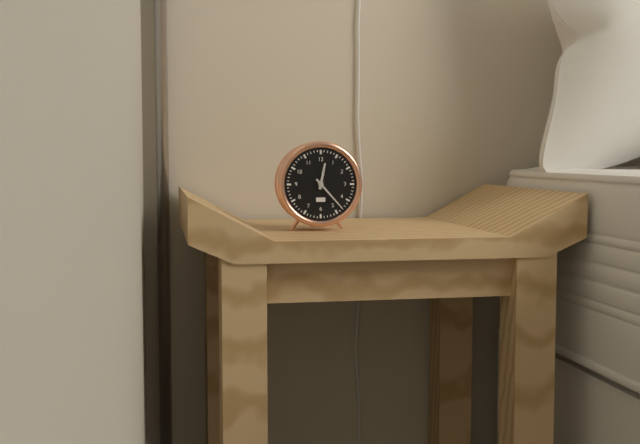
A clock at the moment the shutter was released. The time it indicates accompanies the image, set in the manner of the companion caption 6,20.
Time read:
12,23
